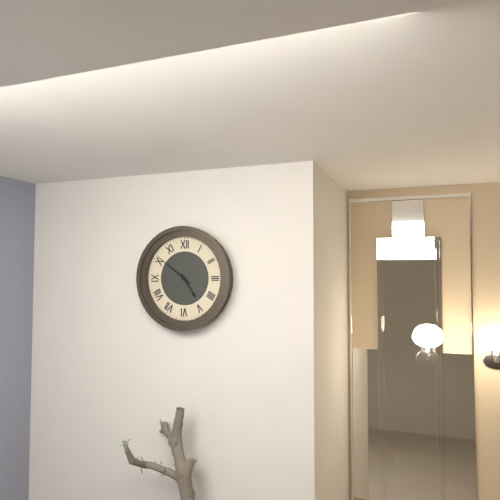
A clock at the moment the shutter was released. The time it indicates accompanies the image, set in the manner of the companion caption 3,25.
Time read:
4,51
